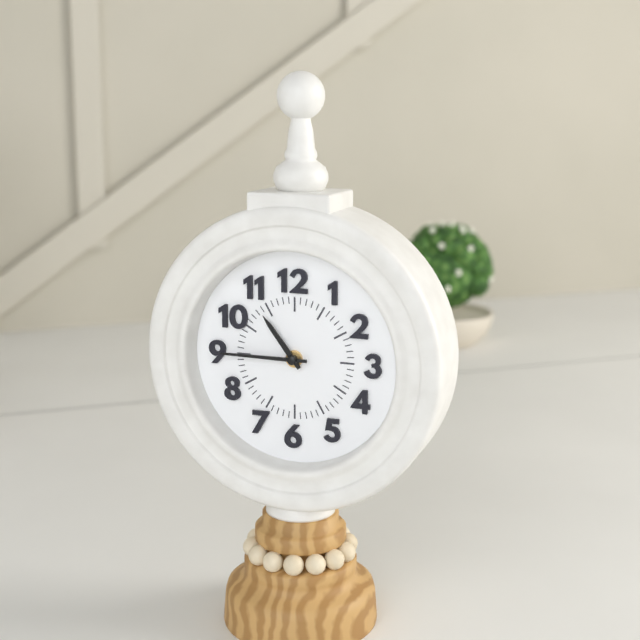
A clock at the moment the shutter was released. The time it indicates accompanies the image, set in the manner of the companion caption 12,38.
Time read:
10,45
